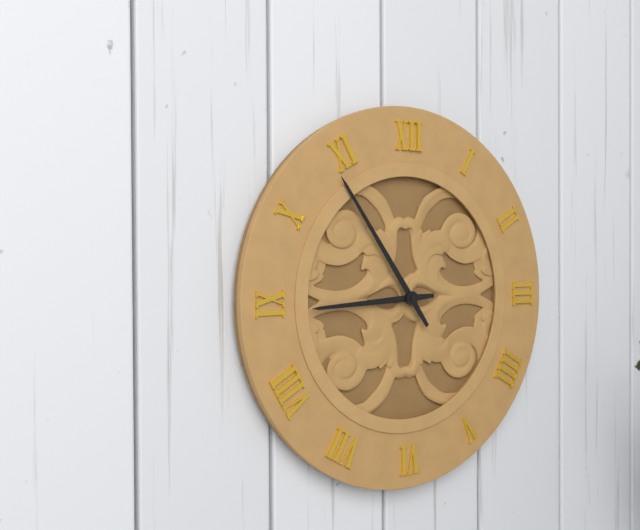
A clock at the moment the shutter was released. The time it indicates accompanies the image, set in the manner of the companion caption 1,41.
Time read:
8,54
